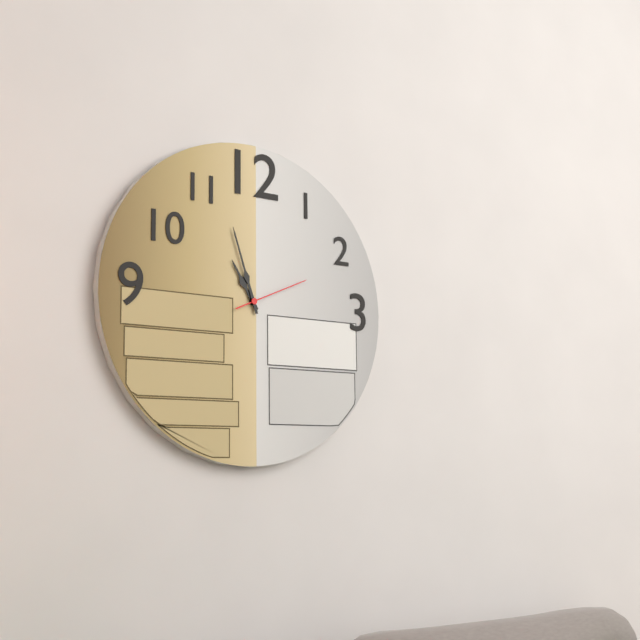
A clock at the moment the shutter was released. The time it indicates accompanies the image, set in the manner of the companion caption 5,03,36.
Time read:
10,57,11
